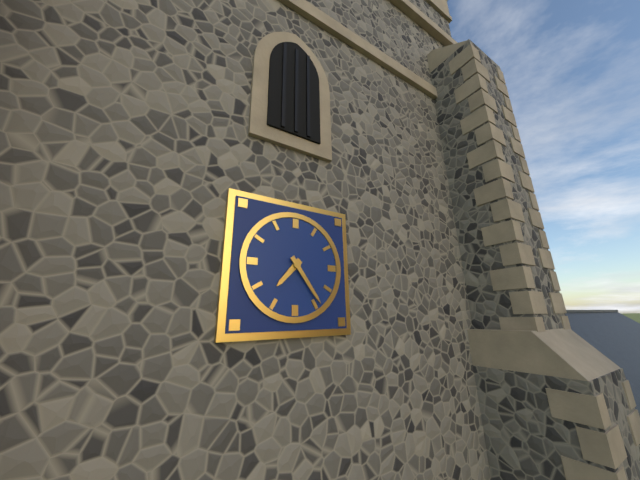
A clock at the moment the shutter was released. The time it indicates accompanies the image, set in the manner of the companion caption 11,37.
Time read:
7,24
